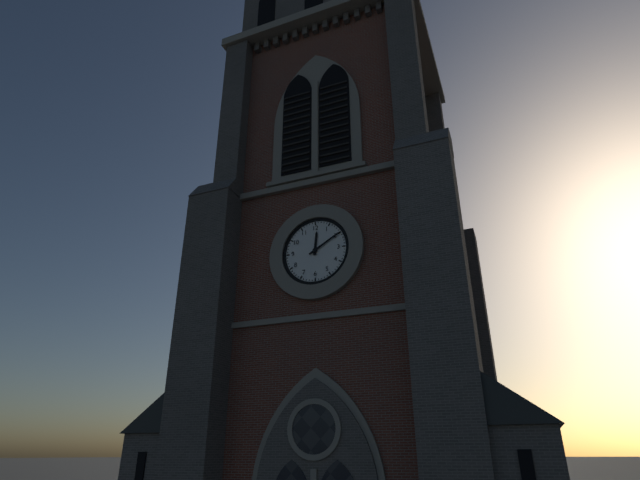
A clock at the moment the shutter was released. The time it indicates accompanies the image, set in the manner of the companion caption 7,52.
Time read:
12,10
